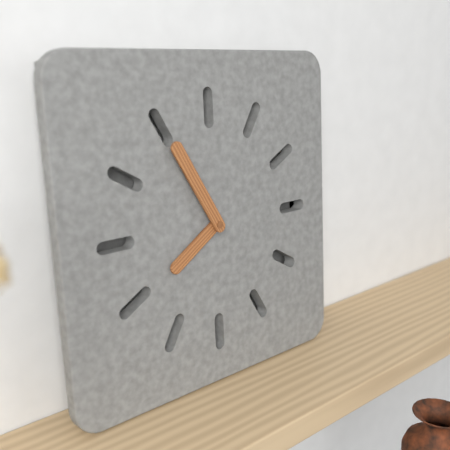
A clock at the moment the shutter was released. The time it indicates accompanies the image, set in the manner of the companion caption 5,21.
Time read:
7,55
